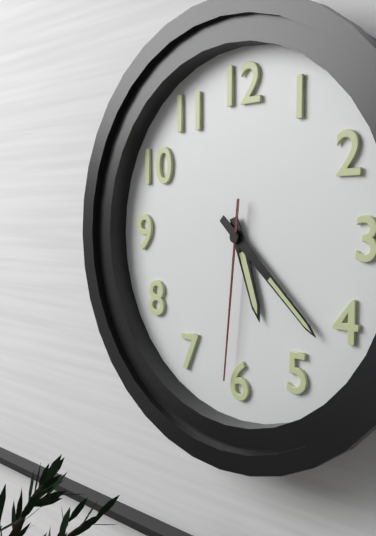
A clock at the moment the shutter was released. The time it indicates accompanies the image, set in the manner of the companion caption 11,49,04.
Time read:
5,22,31
